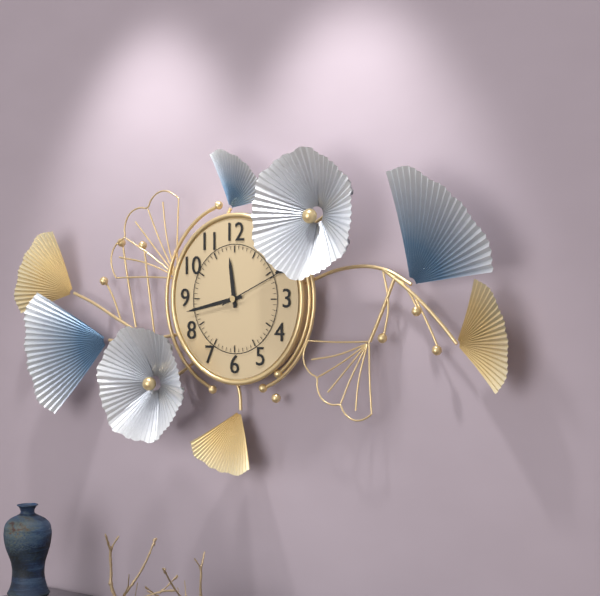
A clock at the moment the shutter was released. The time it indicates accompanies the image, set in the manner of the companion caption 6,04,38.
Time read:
11,43,11
